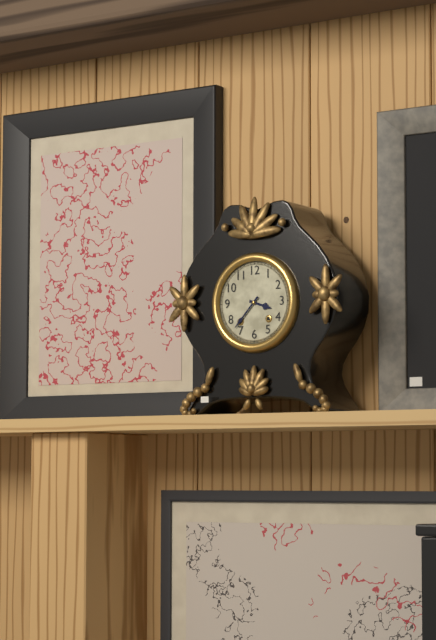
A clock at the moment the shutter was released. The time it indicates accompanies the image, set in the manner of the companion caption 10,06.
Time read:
3,37
